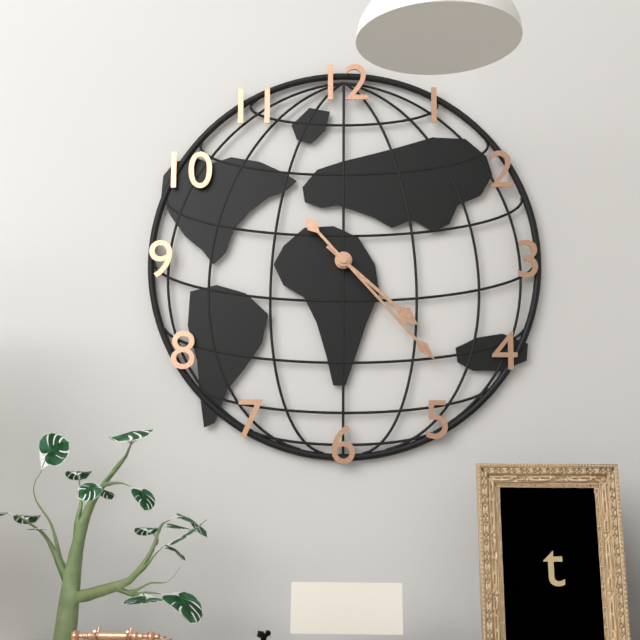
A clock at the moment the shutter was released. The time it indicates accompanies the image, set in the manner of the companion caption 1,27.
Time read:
4,23
